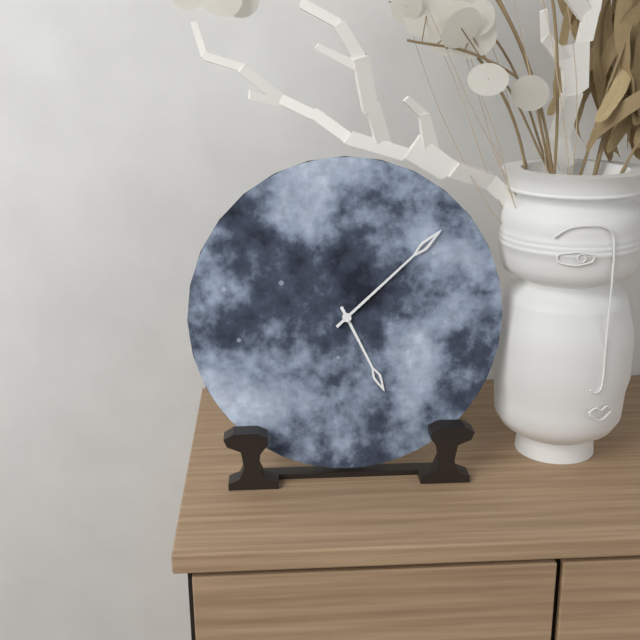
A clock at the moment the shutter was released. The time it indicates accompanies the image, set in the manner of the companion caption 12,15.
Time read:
5,08
